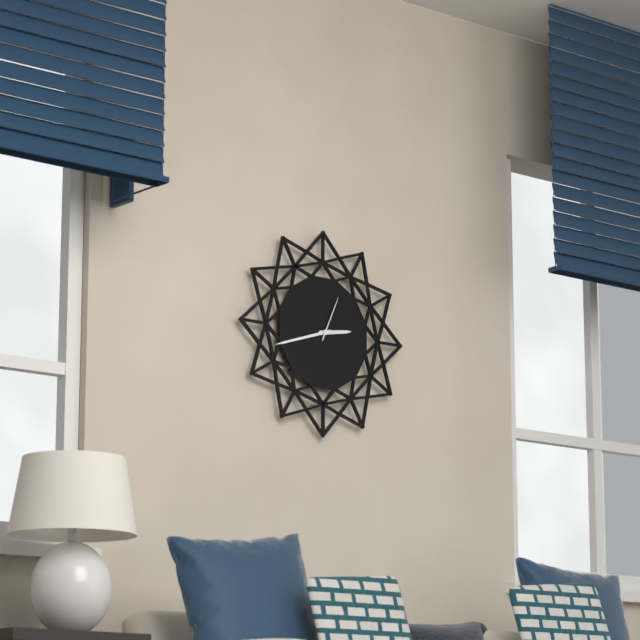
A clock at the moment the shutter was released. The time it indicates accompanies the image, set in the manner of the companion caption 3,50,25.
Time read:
2,42,04
